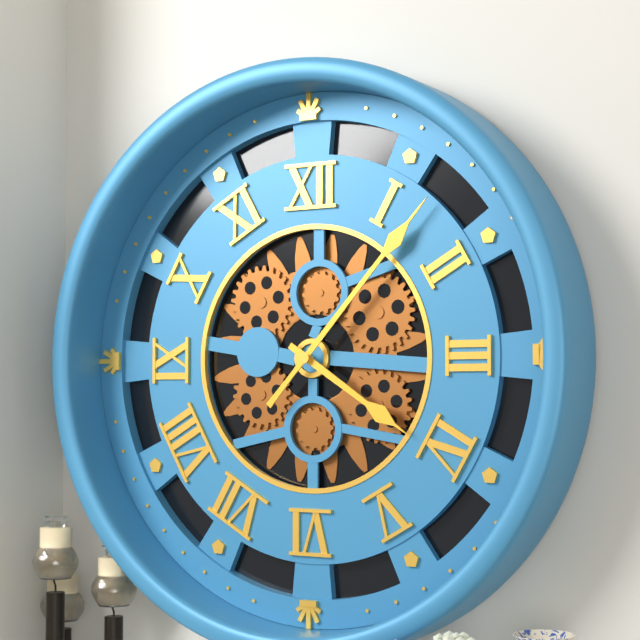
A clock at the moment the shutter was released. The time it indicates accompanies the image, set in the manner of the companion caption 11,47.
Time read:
4,07
